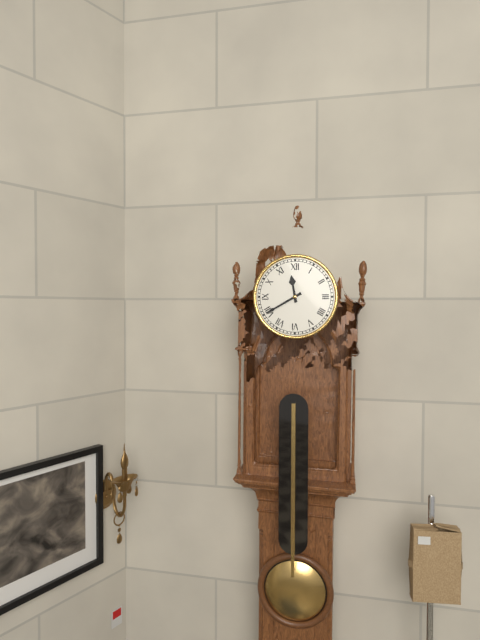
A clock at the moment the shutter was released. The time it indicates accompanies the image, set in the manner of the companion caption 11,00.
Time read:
11,40
